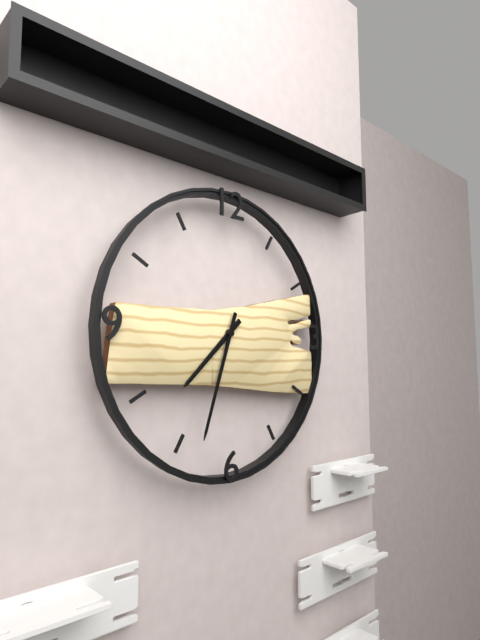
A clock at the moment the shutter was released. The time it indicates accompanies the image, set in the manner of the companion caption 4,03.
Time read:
7,33
